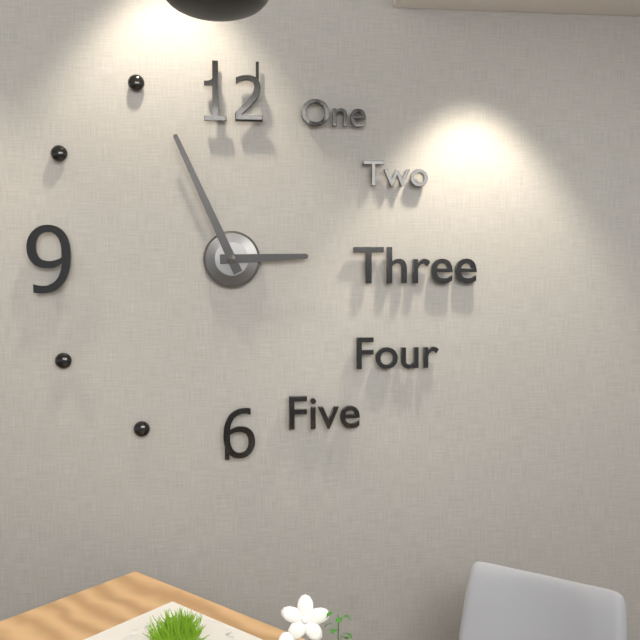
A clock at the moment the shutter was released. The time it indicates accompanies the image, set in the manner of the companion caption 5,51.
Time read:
2,56
